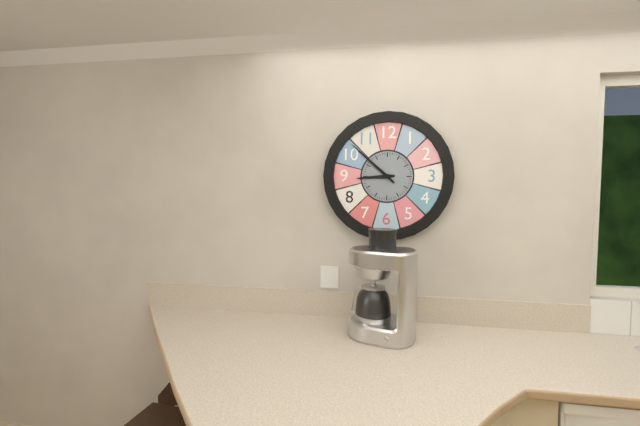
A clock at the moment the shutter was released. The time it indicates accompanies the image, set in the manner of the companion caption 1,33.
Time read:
8,52
